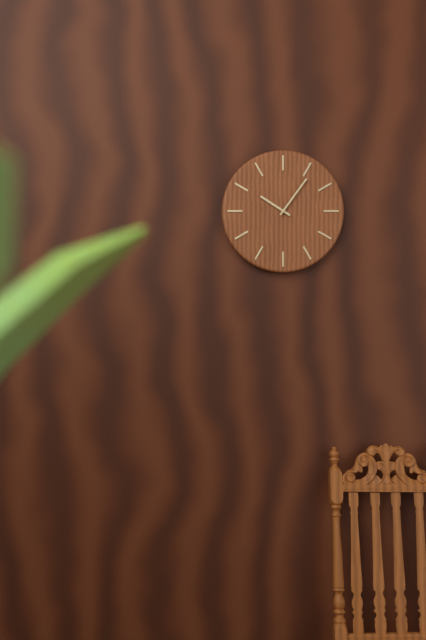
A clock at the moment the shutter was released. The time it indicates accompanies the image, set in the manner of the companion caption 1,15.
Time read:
10,06
